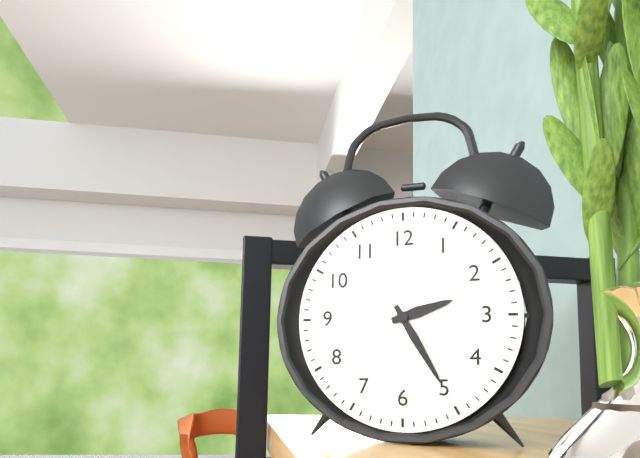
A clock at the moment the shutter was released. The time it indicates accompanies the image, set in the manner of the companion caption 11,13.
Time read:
2,25
